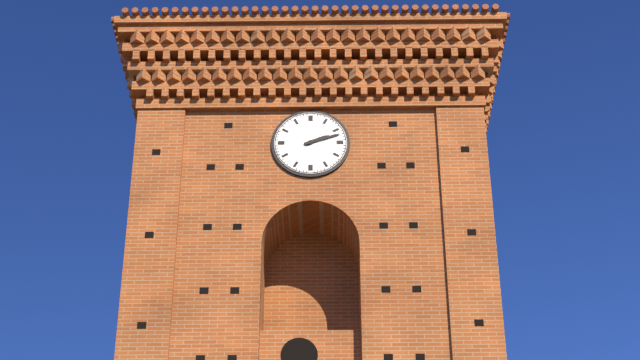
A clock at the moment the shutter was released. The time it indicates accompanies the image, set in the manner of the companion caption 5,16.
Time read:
2,12
